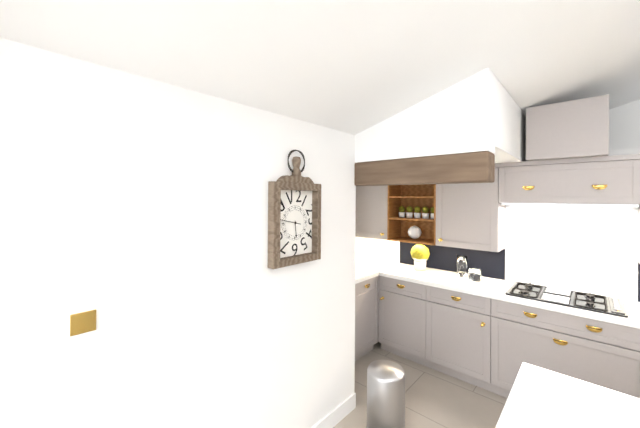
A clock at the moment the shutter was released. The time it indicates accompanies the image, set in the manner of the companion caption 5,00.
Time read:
5,47
